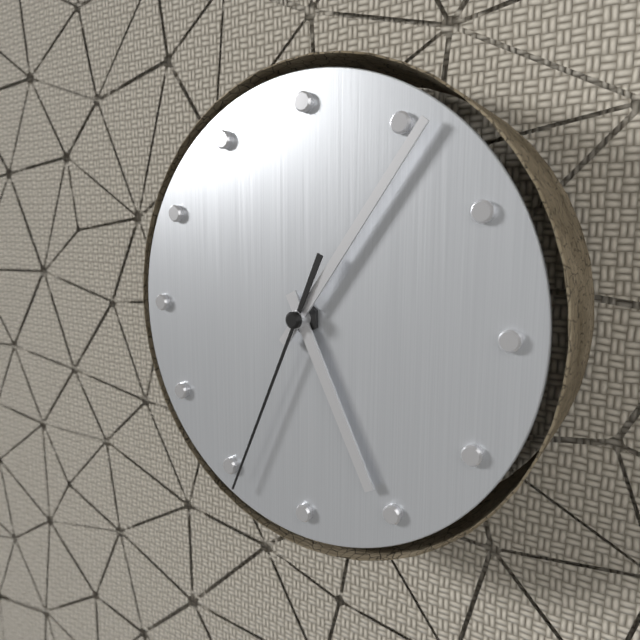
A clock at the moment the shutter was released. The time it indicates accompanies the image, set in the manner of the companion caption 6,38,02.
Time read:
5,06,34
